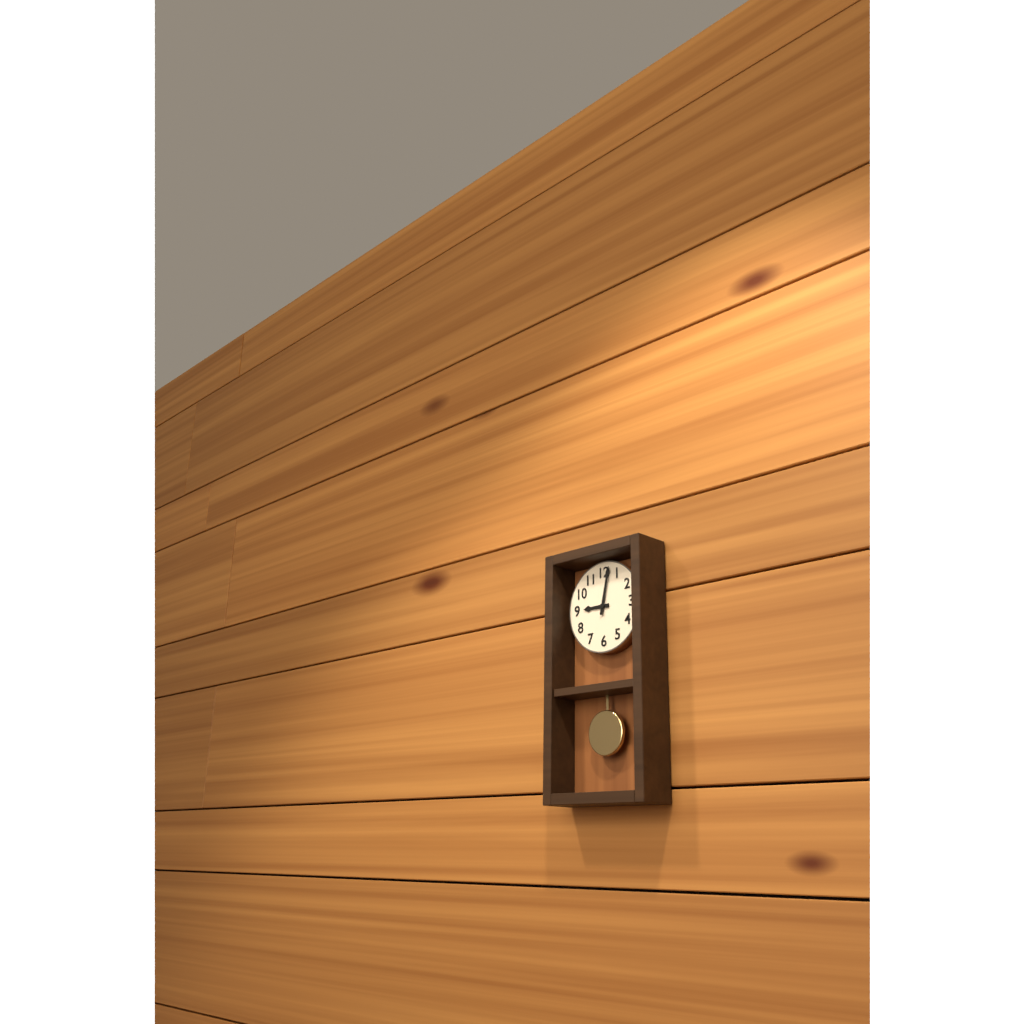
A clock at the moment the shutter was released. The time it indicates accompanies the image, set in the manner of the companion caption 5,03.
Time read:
9,02
